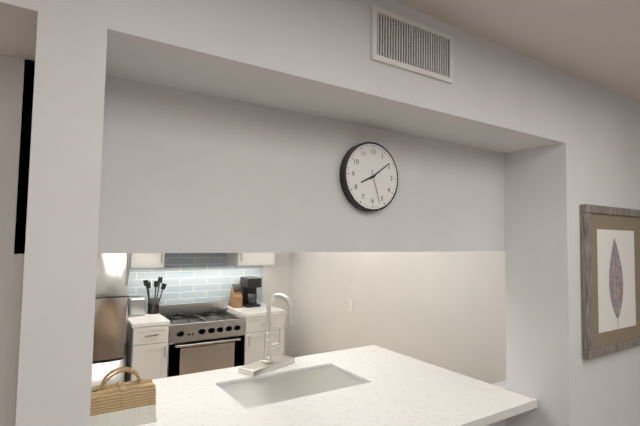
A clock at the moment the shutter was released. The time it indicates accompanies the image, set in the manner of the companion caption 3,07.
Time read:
8,09
